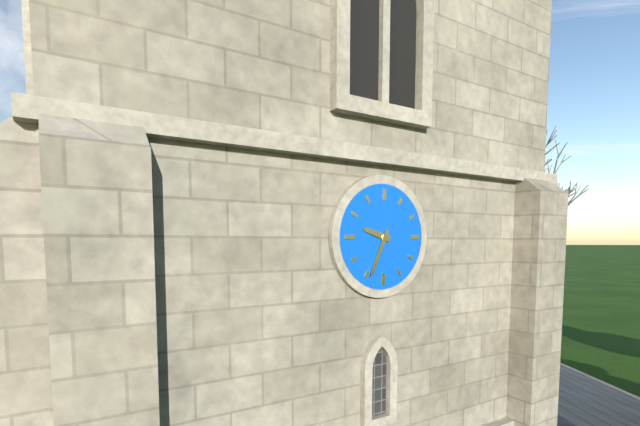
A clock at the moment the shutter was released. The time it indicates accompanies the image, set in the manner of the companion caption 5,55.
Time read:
9,34
